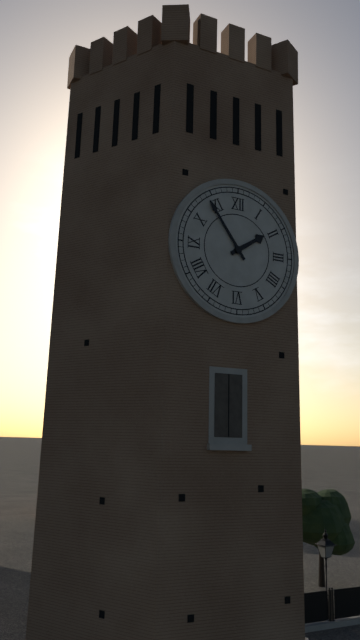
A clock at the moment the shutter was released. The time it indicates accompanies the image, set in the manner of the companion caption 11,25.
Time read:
1,54
